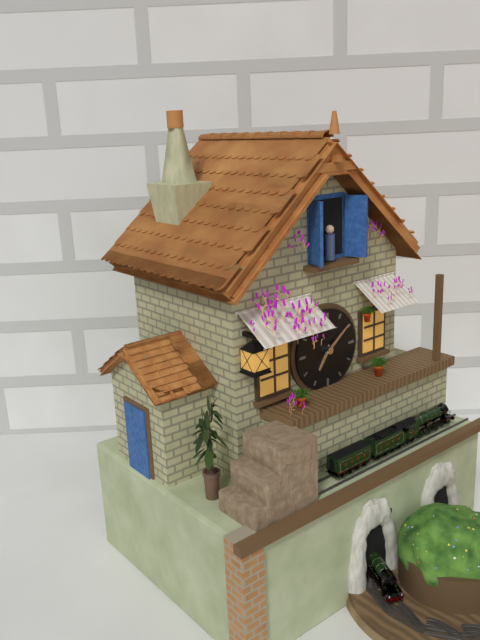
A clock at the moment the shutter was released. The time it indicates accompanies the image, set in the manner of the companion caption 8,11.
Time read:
7,09
